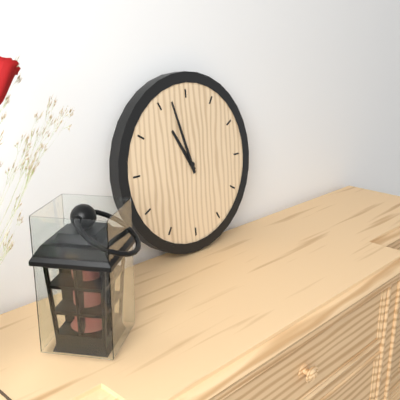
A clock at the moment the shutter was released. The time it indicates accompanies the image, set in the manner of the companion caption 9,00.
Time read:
10,57
